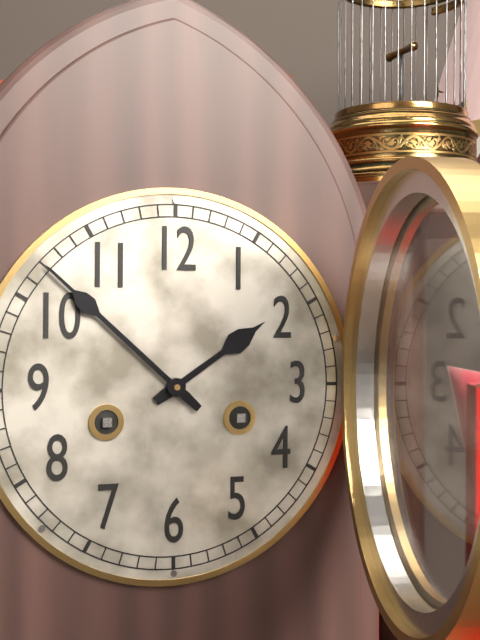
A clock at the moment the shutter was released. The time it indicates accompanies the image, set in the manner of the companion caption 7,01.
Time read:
1,52
